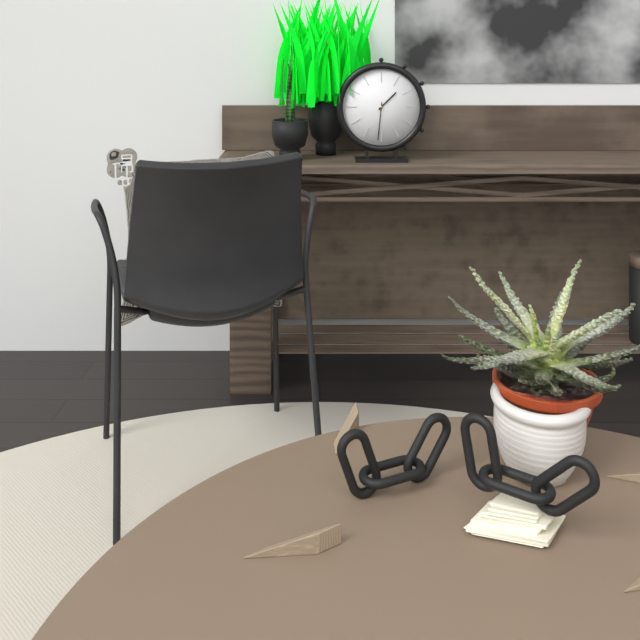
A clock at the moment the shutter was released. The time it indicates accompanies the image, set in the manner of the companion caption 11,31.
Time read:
1,31
